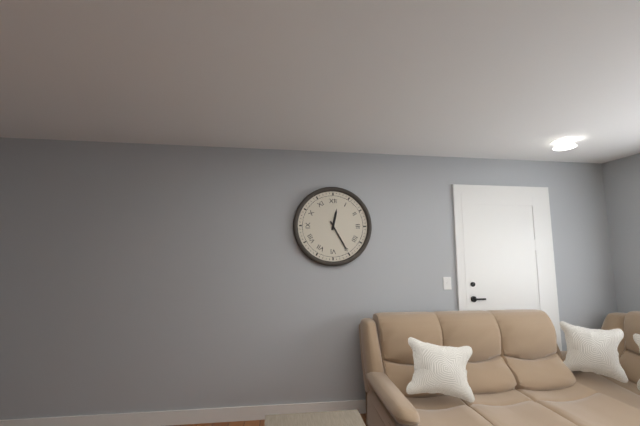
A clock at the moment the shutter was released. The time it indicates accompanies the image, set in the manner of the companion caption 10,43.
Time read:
12,25
